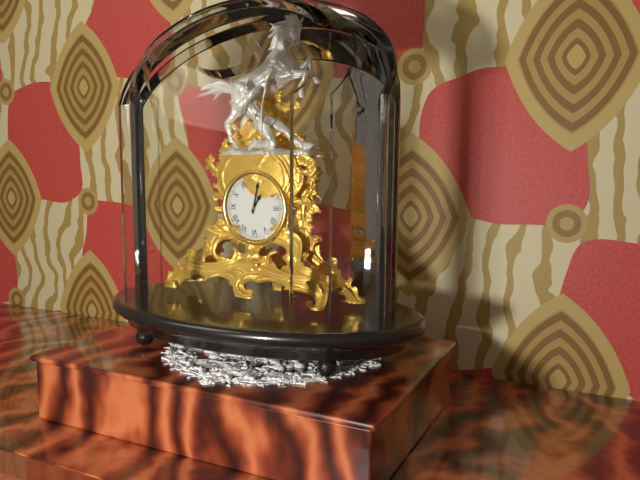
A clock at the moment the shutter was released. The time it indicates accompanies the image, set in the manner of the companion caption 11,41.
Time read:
1,02
